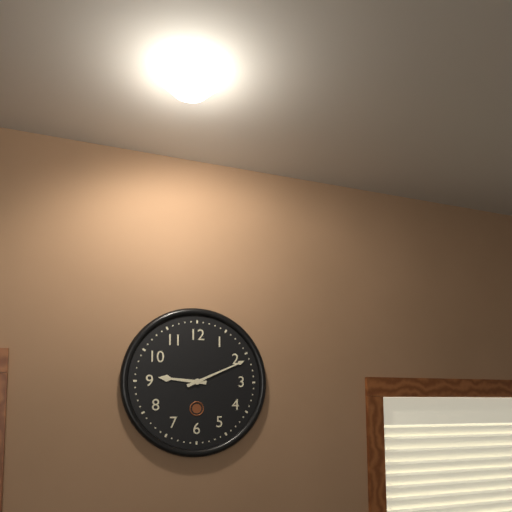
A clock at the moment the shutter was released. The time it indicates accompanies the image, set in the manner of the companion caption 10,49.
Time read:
9,11
